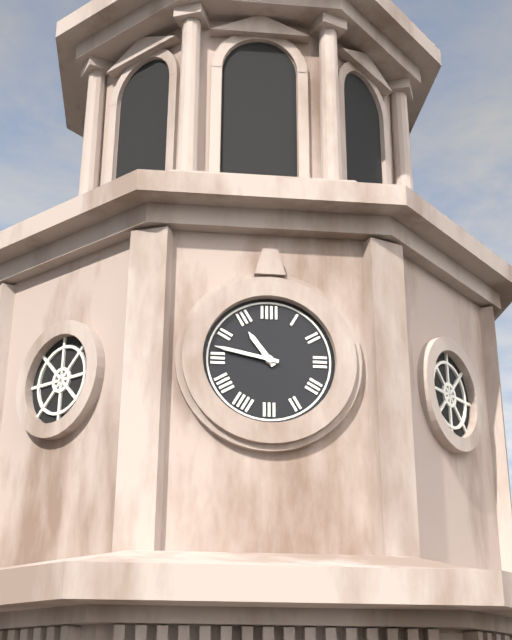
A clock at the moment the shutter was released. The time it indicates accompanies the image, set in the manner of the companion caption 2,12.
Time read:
10,47
